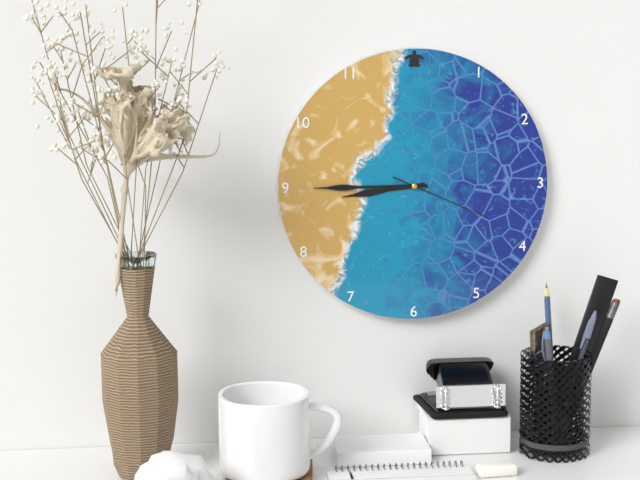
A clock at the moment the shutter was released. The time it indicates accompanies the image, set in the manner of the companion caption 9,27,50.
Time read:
8,45,19
